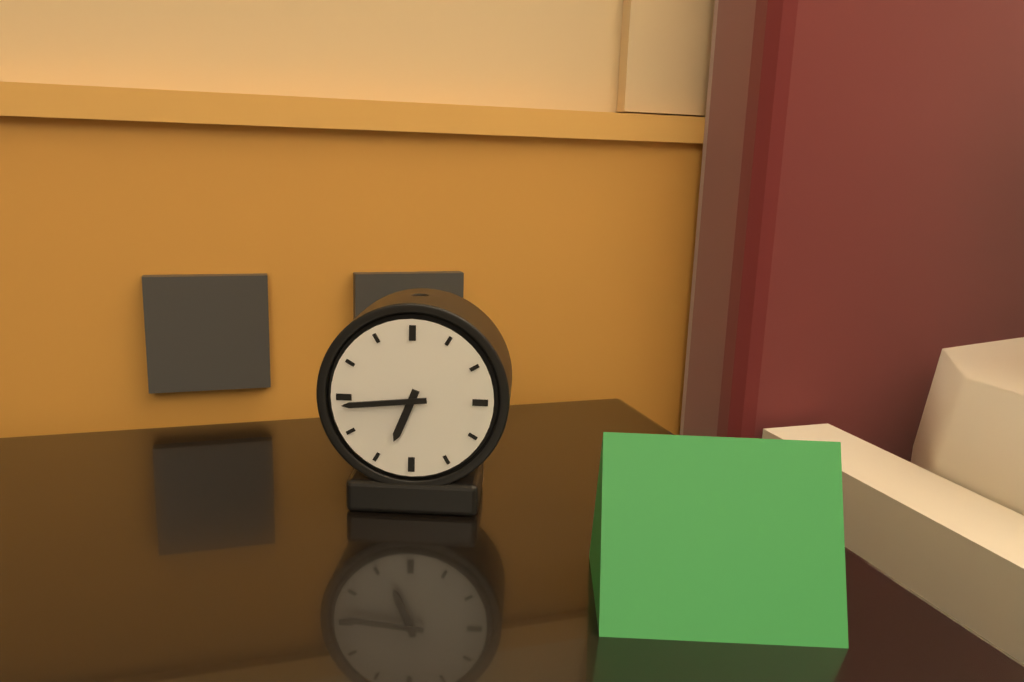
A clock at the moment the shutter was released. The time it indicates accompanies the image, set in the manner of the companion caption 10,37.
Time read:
6,44
